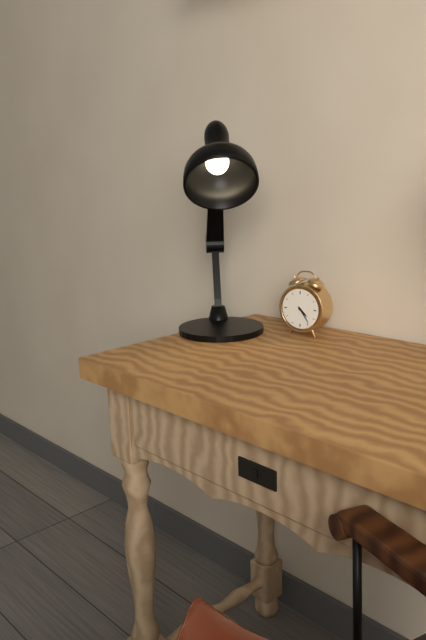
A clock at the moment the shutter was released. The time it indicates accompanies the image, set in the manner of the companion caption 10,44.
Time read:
4,24
